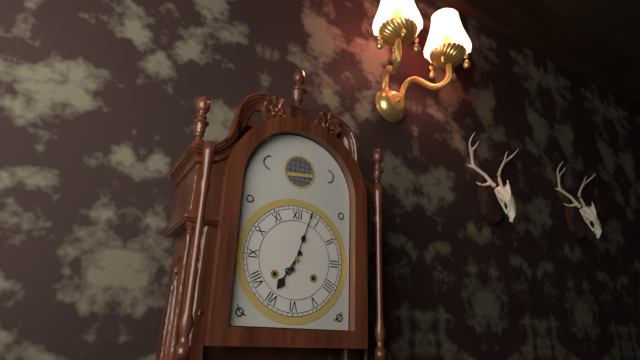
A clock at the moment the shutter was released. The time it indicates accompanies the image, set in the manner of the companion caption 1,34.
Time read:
7,03
